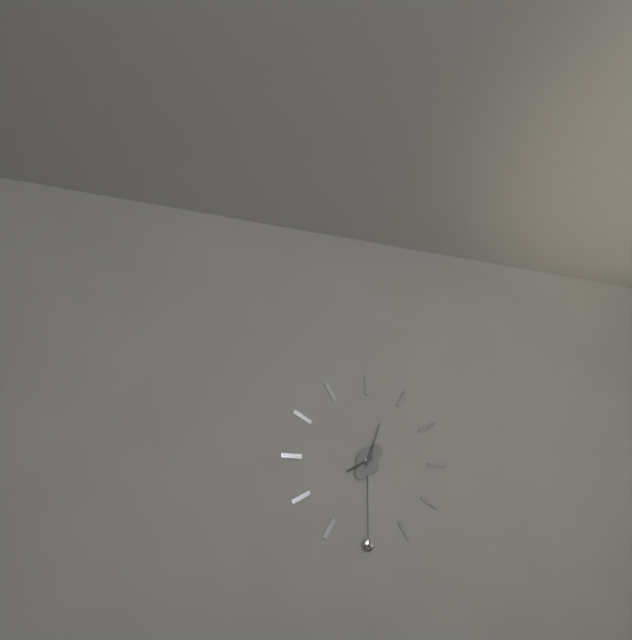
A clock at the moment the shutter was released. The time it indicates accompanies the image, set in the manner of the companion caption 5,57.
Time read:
8,03
